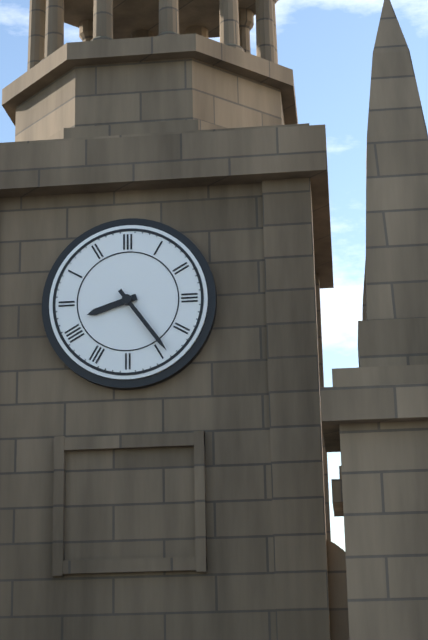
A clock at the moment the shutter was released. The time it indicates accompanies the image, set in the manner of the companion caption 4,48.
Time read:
8,24
